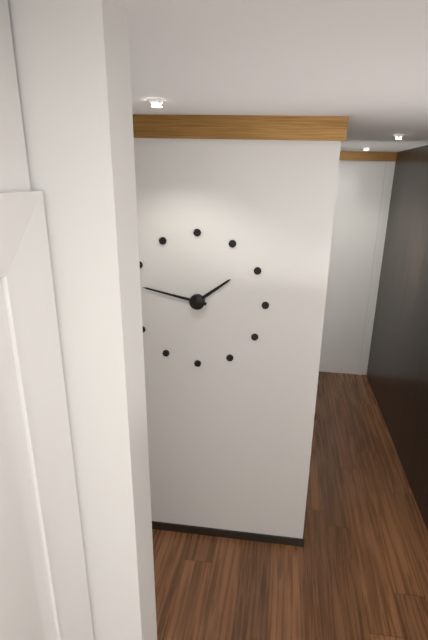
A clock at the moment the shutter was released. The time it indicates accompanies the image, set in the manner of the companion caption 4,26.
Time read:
1,47
